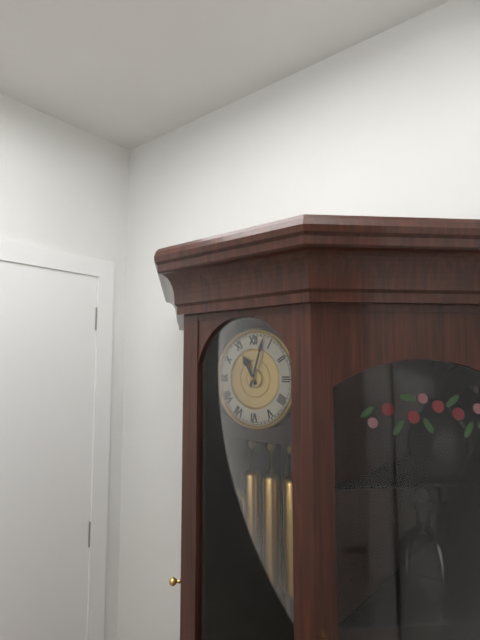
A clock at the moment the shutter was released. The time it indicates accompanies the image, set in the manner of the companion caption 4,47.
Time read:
11,03
